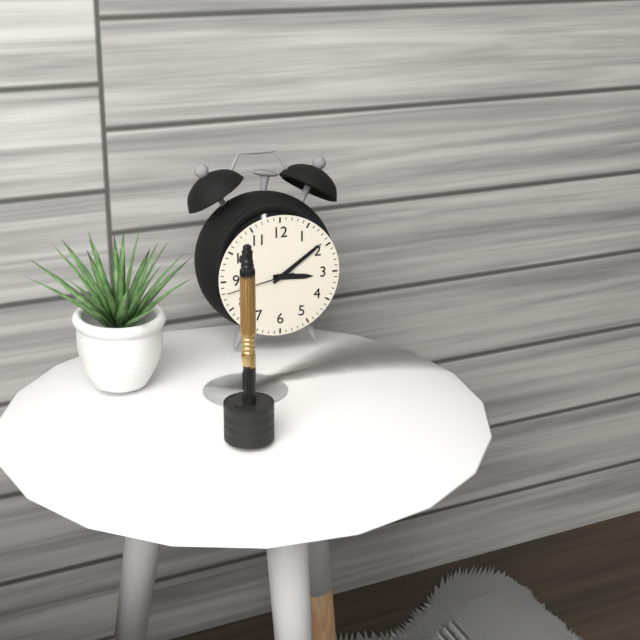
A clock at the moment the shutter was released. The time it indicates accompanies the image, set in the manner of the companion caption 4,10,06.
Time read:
3,09,43
